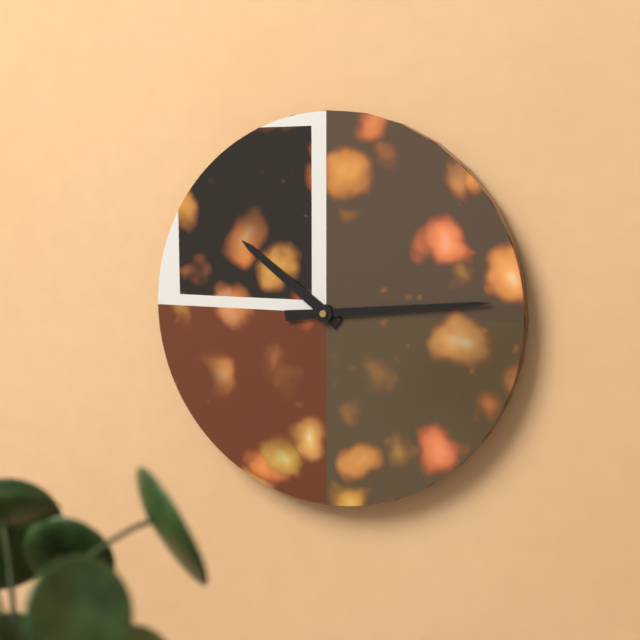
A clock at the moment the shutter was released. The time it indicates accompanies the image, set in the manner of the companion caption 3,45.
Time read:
10,14
